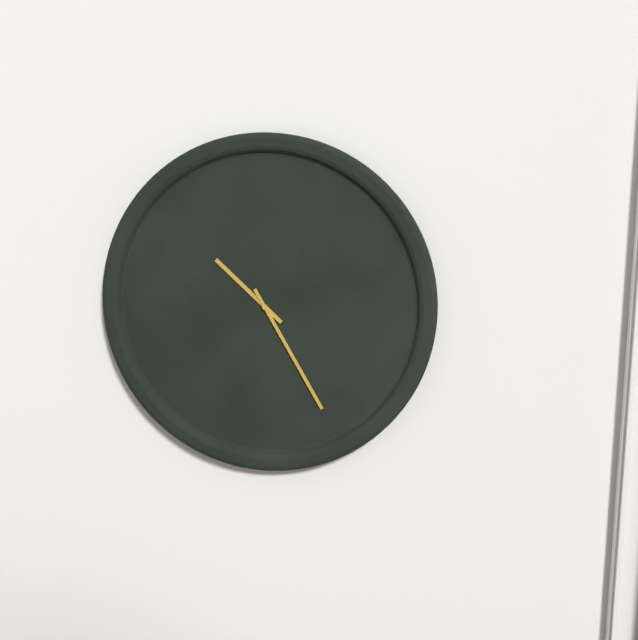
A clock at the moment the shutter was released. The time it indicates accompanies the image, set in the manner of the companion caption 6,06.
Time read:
10,25
